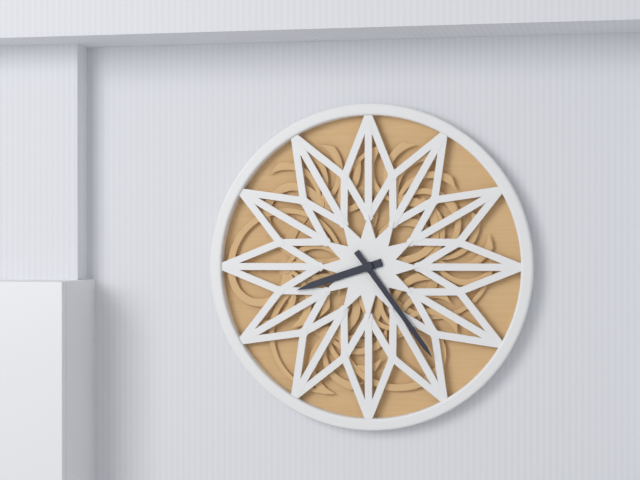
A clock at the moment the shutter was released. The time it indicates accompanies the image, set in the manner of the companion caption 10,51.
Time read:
8,24
